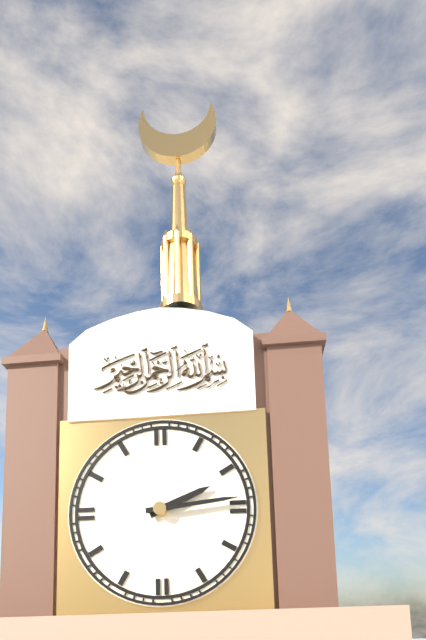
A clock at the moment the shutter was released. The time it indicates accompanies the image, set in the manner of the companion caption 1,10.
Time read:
2,14
